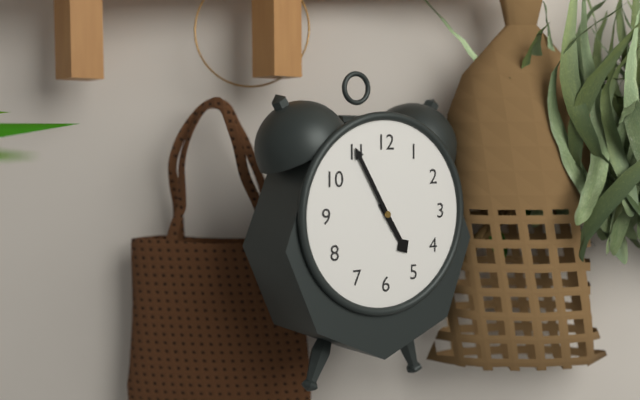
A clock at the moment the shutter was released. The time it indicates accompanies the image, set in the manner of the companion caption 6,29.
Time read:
4,55
